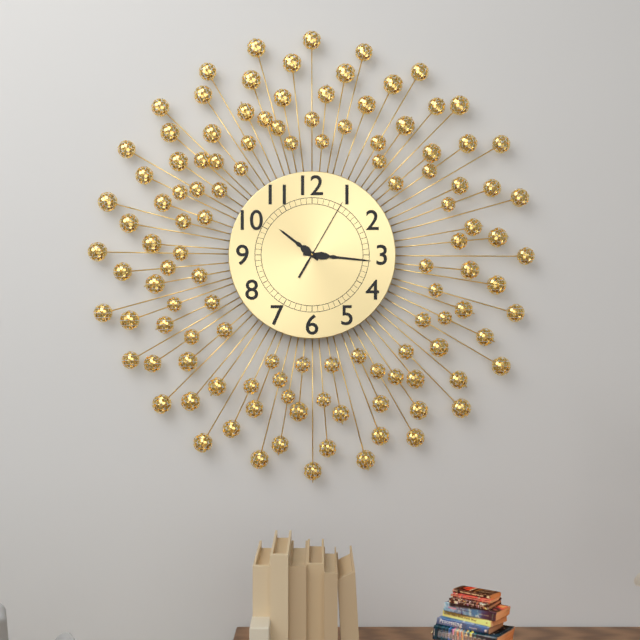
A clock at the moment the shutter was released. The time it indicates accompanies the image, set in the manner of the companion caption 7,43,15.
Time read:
10,16,05
